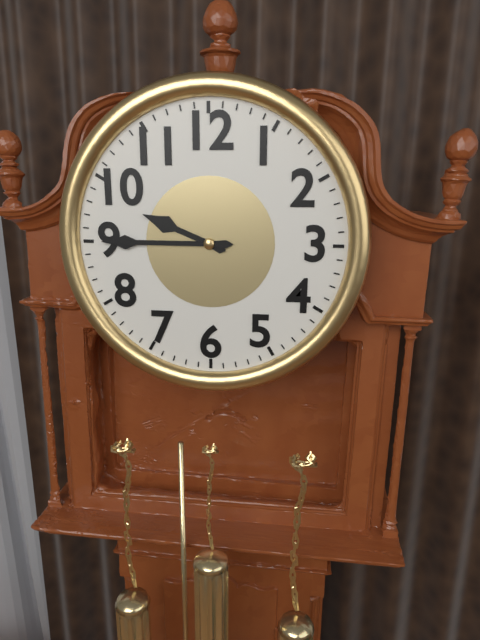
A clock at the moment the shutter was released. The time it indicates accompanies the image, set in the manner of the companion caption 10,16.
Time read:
9,45
